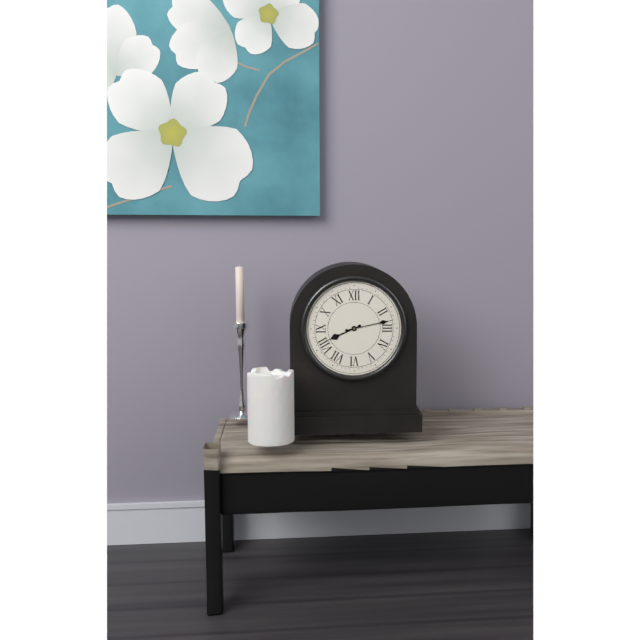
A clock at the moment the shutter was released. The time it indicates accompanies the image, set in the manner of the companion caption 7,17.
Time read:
8,13
